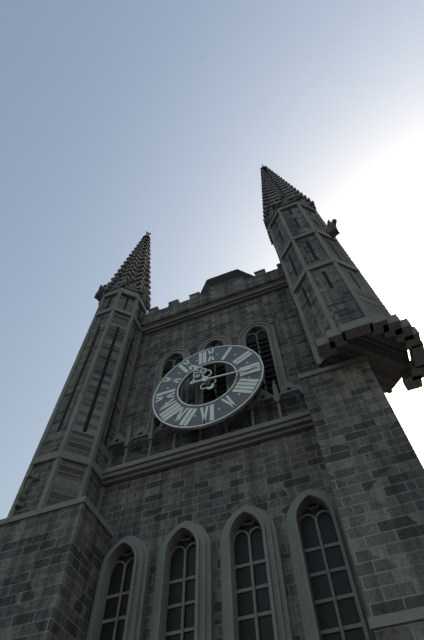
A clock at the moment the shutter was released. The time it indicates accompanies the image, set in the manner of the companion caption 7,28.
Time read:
11,16
